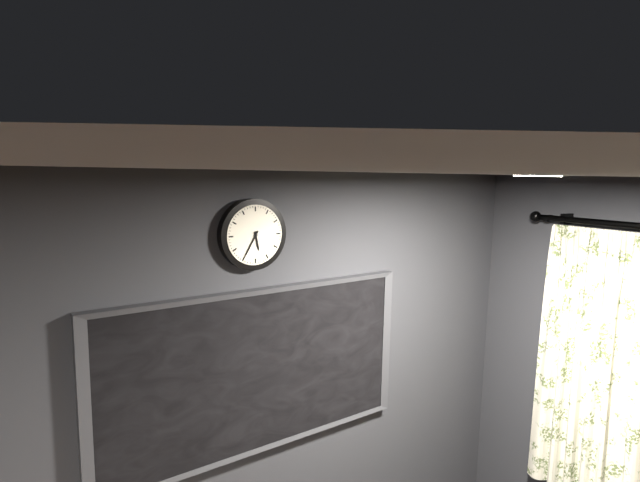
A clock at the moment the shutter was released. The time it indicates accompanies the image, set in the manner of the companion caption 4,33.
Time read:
5,35
